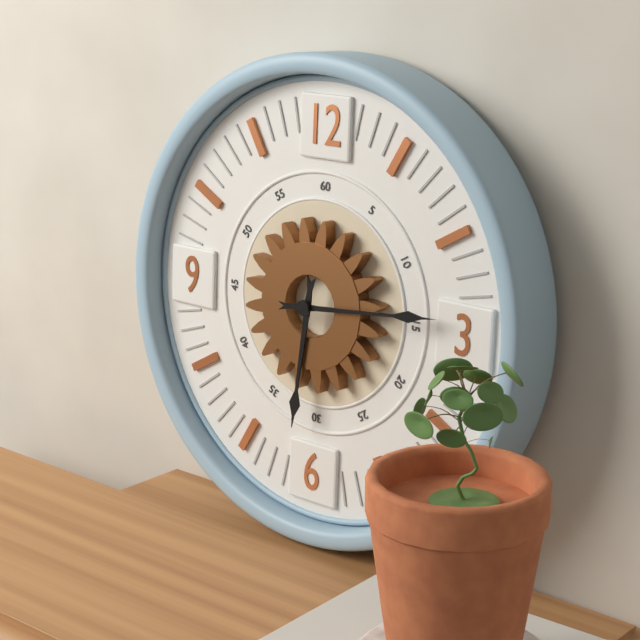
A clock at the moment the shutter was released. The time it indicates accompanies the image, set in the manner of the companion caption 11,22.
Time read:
6,14
